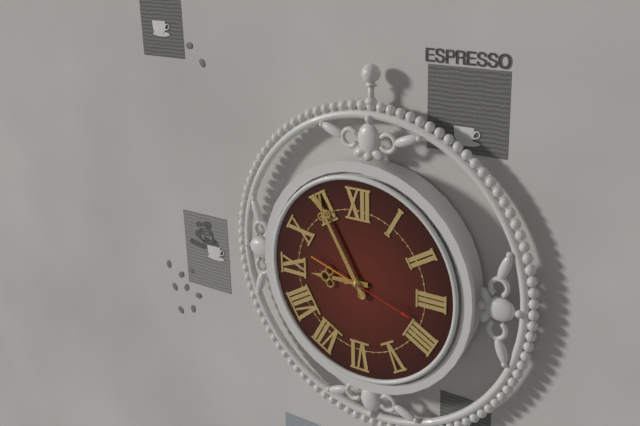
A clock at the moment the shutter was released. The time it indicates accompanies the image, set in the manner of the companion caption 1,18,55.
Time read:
8,55,18
